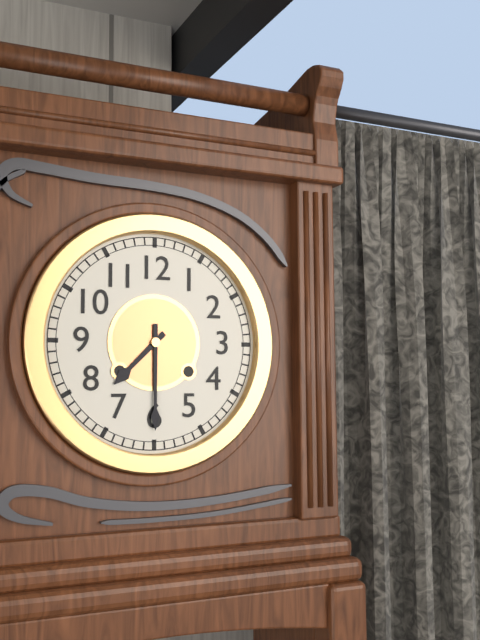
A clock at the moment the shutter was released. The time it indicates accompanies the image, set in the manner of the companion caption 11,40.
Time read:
7,30
